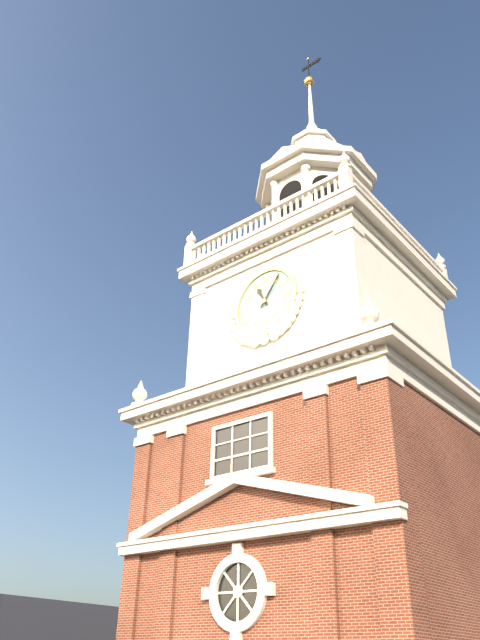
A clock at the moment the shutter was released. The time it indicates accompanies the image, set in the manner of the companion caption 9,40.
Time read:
11,06
